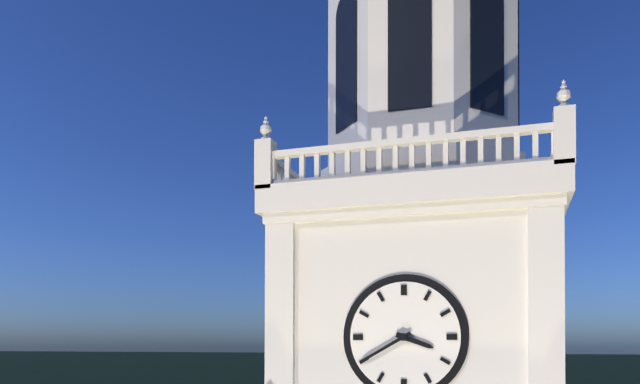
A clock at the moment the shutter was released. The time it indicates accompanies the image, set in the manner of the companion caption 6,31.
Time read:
3,40
